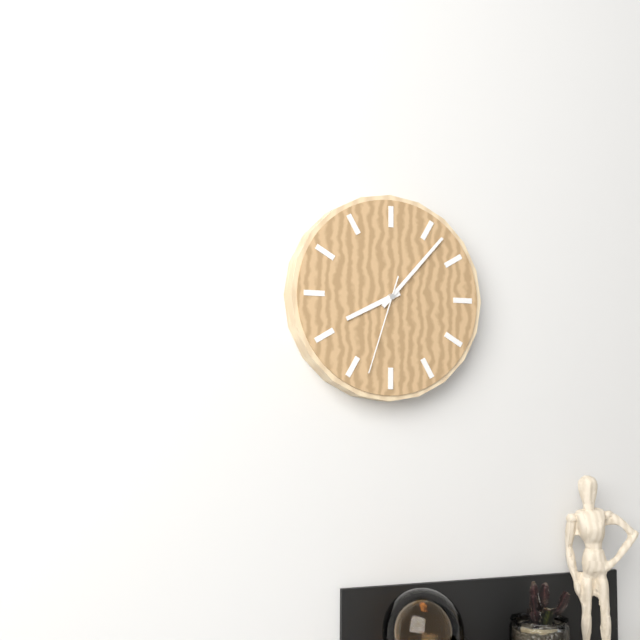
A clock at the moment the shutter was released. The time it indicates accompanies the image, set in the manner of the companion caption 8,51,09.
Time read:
8,07,33
